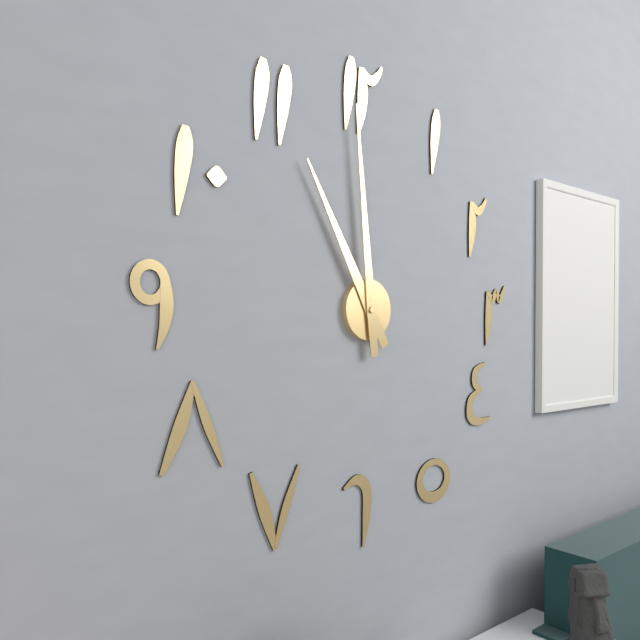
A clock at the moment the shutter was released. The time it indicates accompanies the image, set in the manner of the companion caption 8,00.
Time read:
10,59
